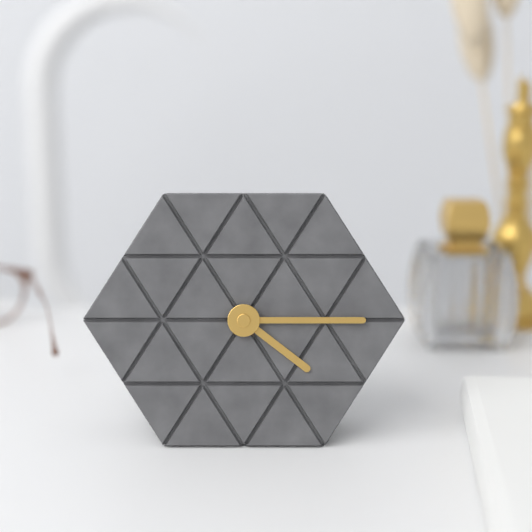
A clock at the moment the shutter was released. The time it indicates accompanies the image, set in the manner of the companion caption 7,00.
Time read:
4,15
